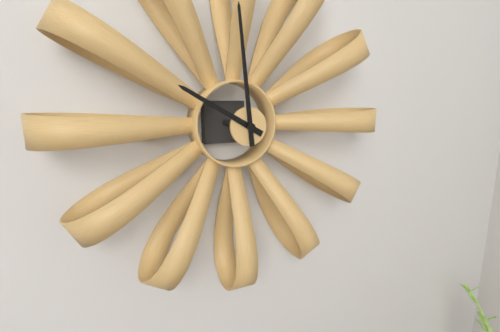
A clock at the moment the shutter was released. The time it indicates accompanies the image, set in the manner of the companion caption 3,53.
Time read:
9,59
